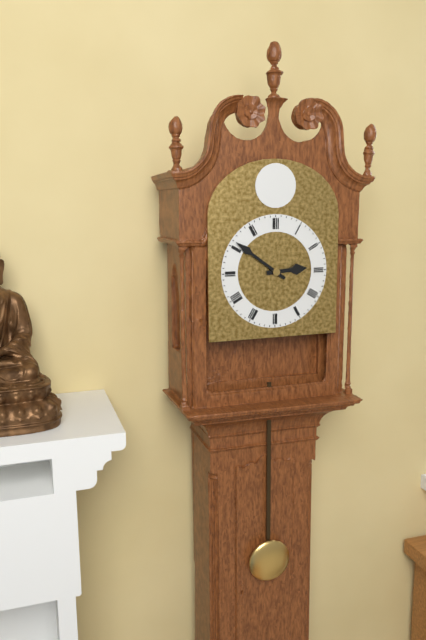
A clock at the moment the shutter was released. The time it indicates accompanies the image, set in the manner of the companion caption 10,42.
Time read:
2,51
